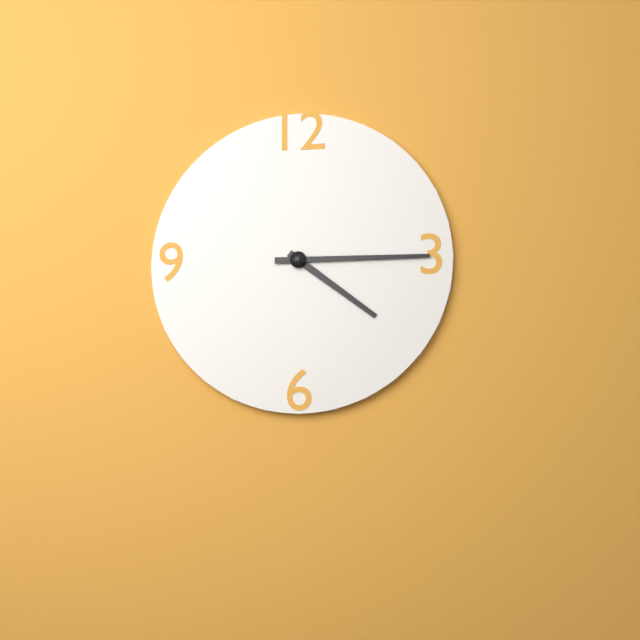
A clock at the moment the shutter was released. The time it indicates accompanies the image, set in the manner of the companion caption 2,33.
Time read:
4,15
